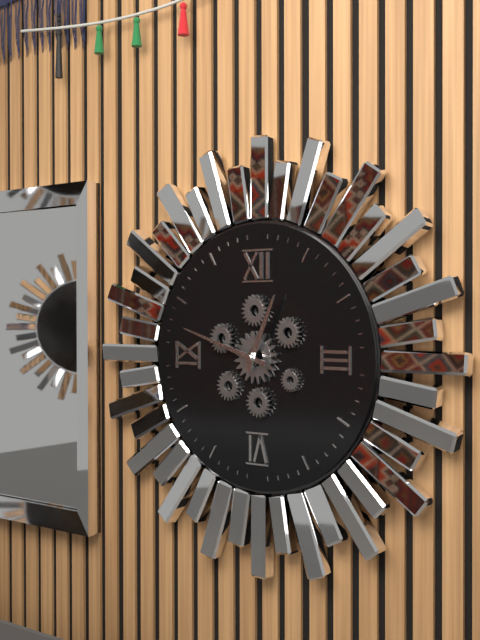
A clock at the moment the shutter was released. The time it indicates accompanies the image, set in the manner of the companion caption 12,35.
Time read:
12,48
